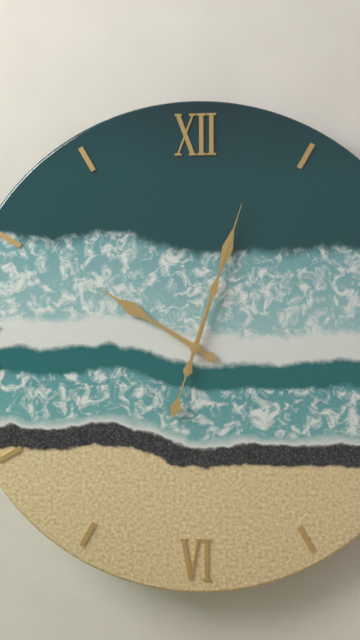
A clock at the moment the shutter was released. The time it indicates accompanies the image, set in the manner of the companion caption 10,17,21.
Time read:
10,03,03
